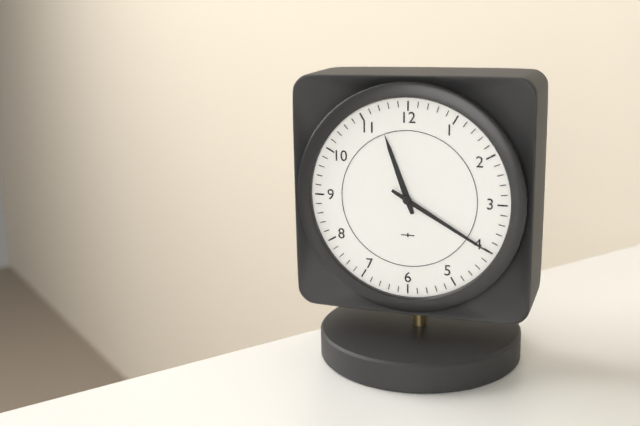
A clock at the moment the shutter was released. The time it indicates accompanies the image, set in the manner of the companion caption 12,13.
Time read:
11,20
